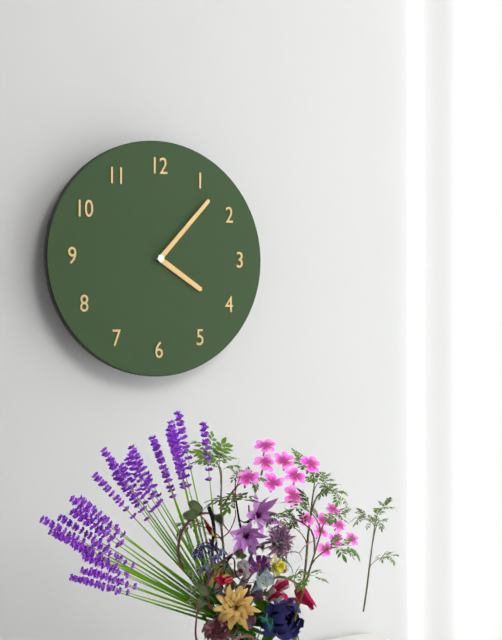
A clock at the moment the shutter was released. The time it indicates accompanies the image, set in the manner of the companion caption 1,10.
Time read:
4,07
